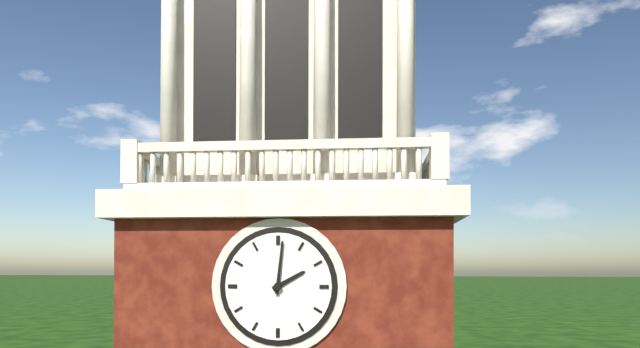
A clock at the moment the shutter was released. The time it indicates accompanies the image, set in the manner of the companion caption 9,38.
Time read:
2,01
